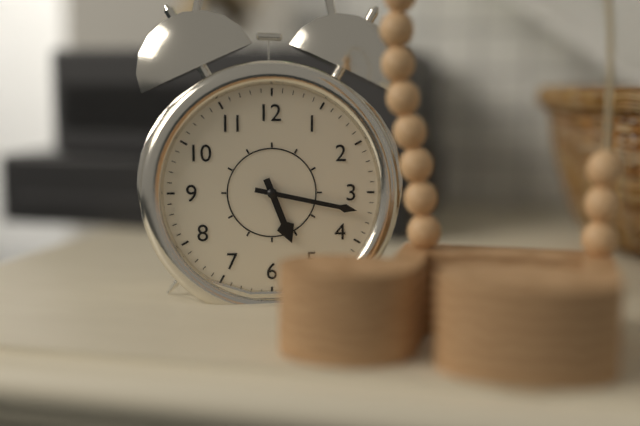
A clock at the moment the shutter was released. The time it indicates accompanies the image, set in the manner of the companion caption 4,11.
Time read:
5,17
